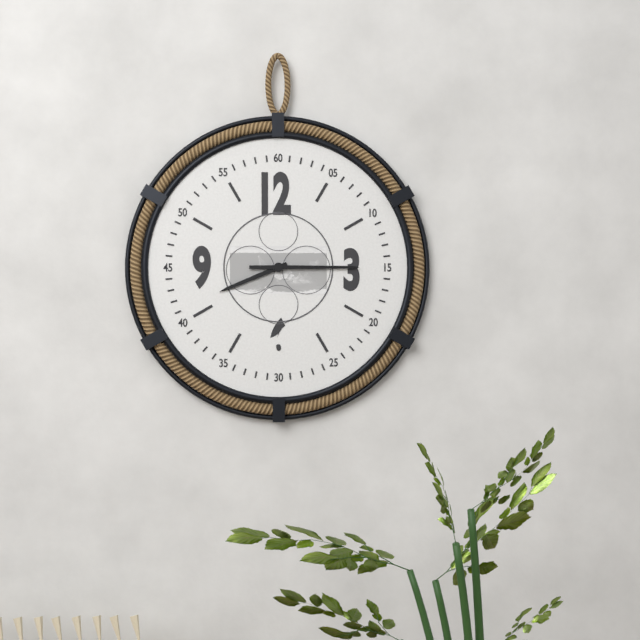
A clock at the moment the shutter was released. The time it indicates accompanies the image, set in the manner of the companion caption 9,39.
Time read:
8,15
